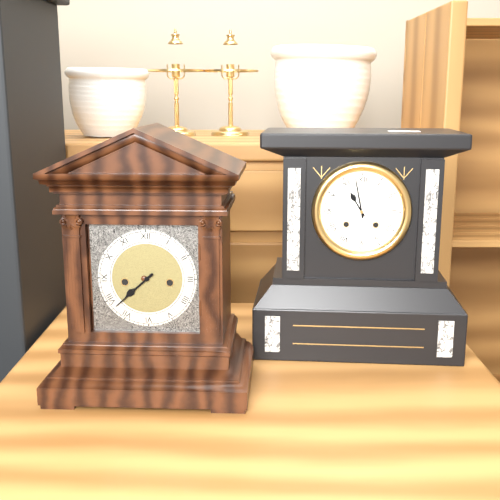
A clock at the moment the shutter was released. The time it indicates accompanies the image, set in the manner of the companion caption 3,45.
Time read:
7,38
